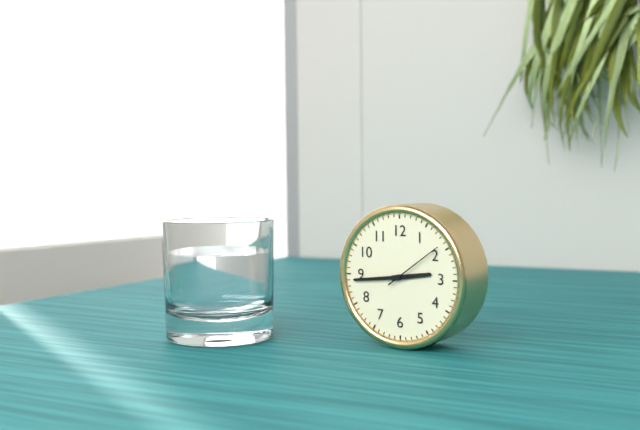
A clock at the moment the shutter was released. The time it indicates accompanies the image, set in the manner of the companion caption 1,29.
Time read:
2,44
